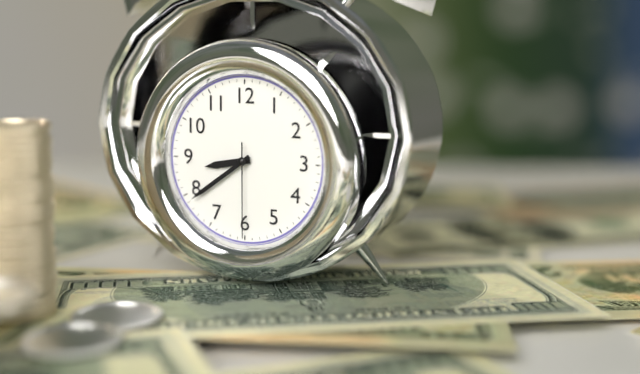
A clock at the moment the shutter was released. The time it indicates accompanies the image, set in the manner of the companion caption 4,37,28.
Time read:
8,39,30
